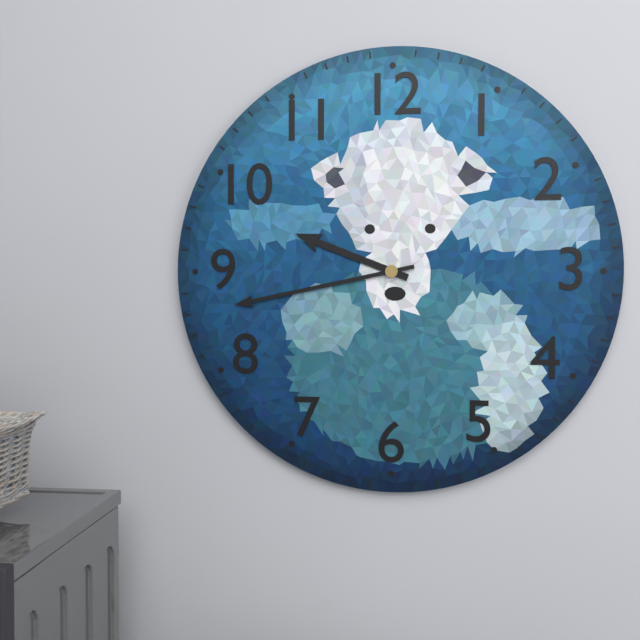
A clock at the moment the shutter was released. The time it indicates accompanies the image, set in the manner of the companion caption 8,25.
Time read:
9,43
